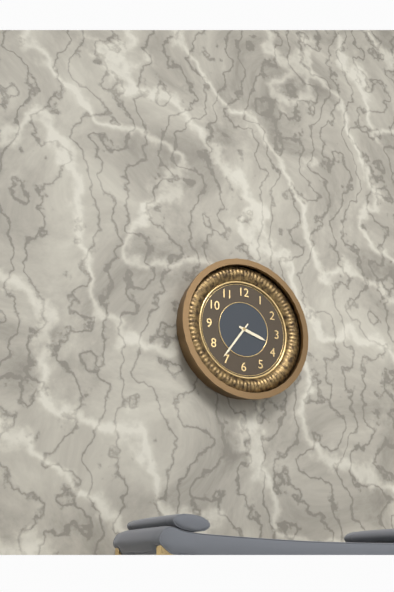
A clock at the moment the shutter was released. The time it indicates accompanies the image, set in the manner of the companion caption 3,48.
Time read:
3,36
